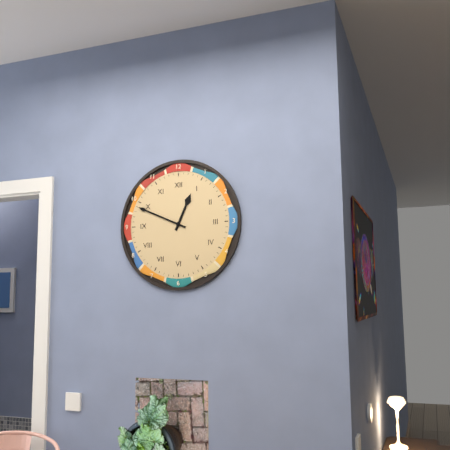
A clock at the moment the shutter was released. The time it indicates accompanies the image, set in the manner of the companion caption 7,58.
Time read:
12,49
